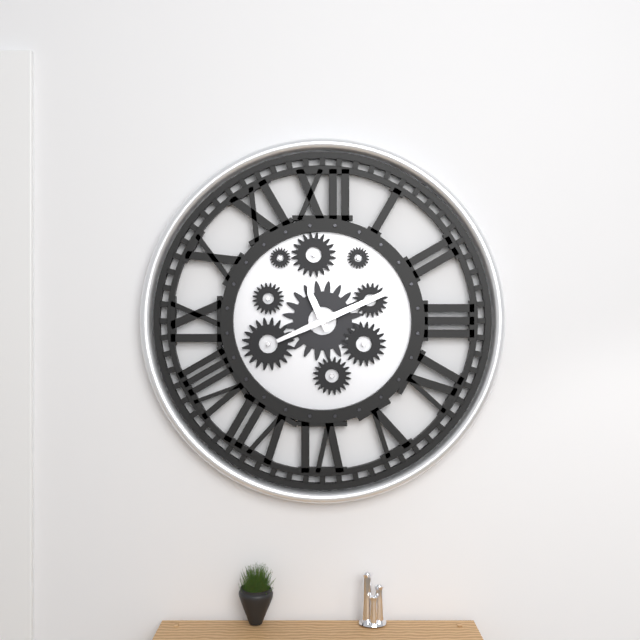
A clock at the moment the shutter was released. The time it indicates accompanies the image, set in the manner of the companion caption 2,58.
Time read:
11,11
